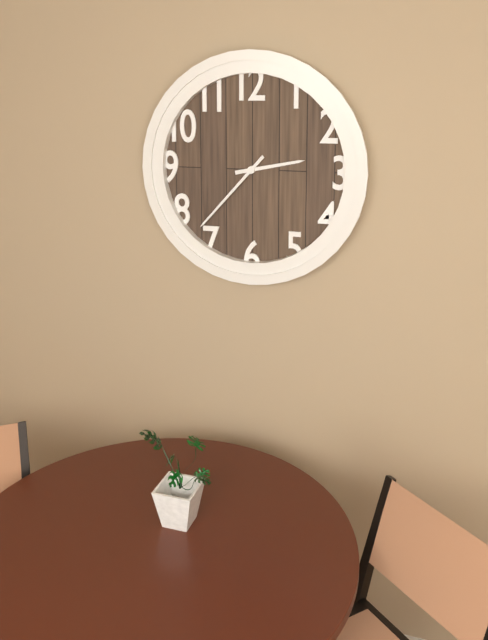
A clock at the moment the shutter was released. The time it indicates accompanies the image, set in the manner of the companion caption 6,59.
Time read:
2,37
